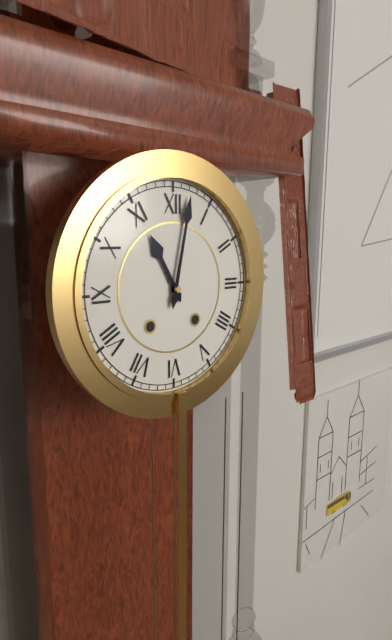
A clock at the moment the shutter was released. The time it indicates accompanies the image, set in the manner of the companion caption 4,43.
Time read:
11,02
